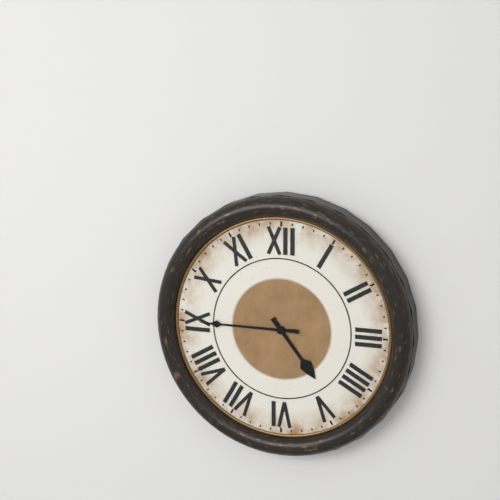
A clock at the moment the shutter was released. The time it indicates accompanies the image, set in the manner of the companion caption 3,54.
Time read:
4,45
